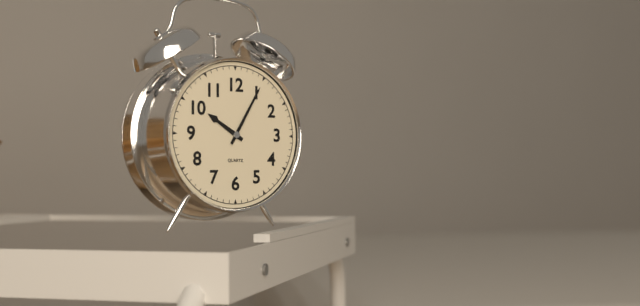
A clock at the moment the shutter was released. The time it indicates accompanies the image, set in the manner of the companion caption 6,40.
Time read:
10,05
